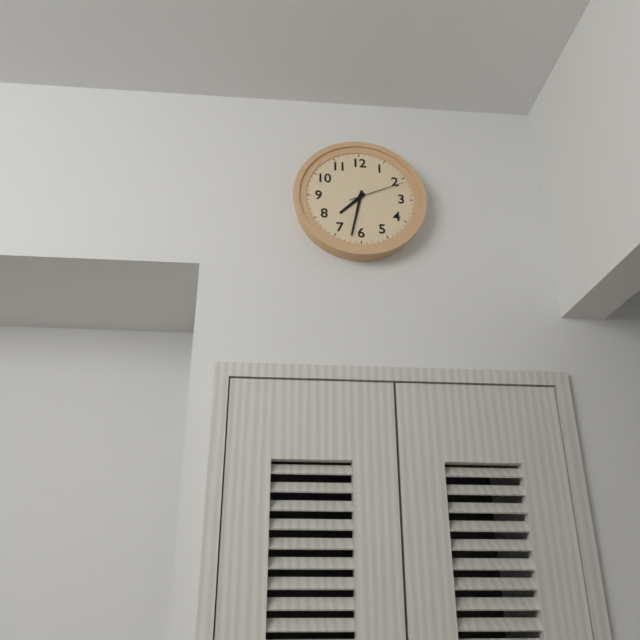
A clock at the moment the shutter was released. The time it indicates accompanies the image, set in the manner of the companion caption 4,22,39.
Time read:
7,32,11
